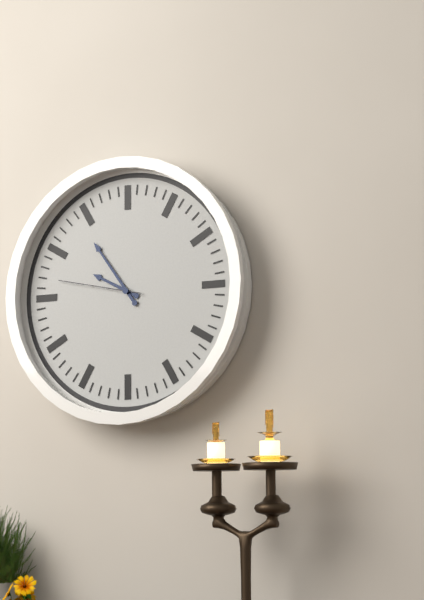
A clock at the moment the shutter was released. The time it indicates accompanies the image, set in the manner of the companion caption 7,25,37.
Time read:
9,54,47
